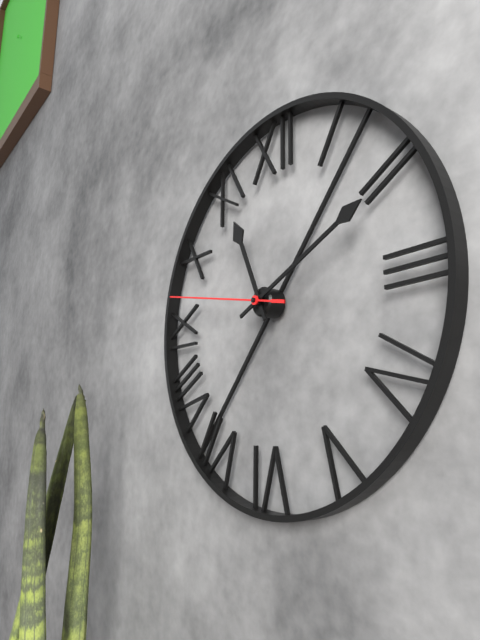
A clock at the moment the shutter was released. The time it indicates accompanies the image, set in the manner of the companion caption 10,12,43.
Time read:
11,11,47
